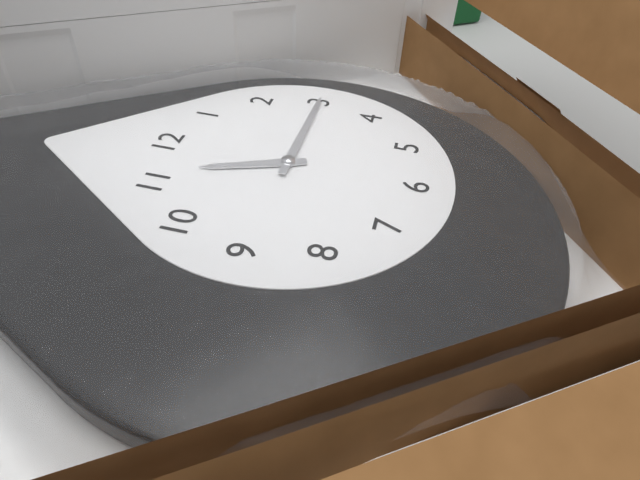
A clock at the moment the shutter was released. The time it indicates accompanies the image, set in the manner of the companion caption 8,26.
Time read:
11,15
